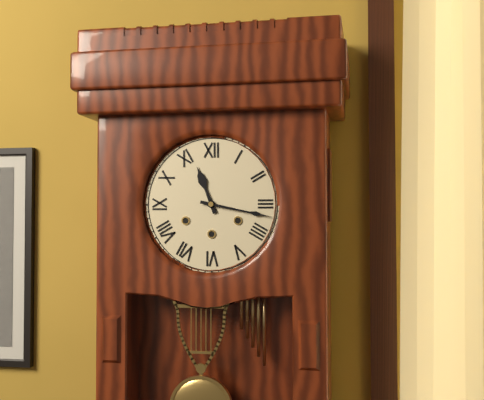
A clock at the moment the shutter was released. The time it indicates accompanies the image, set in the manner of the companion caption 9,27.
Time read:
11,17
